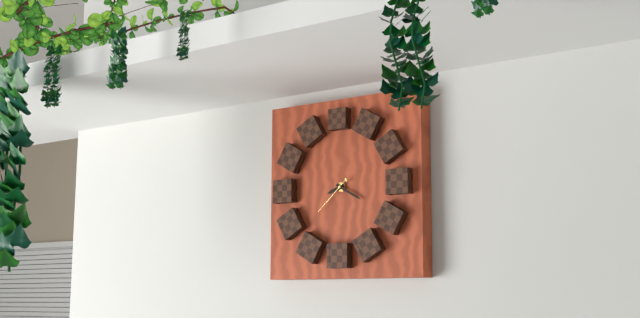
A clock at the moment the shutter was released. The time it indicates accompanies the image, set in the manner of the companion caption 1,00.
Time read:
8,20
